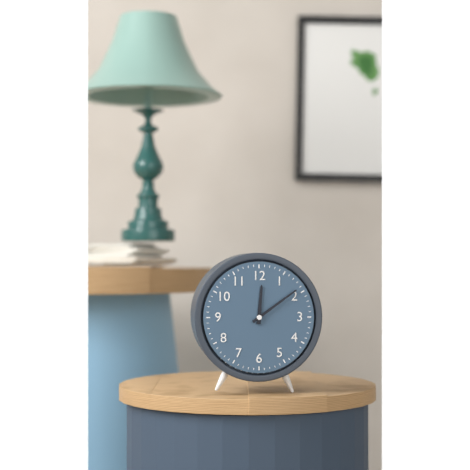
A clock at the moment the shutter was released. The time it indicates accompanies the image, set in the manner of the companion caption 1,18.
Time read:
12,09
